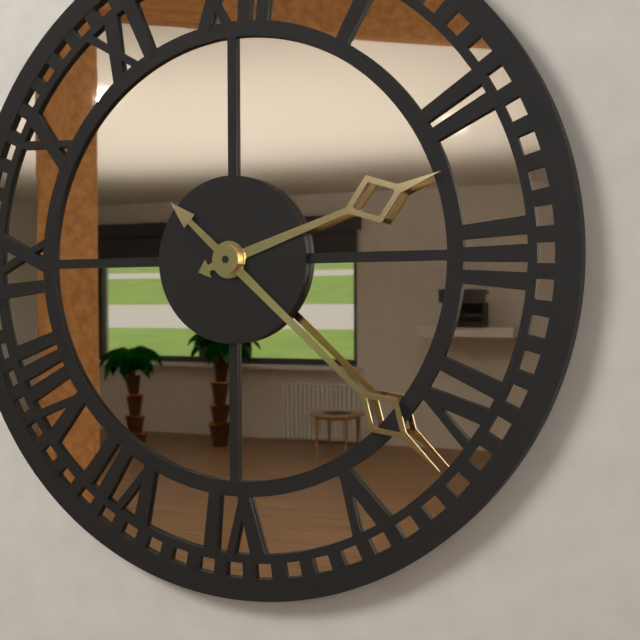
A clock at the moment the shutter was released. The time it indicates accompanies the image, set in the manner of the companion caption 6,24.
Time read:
2,22
